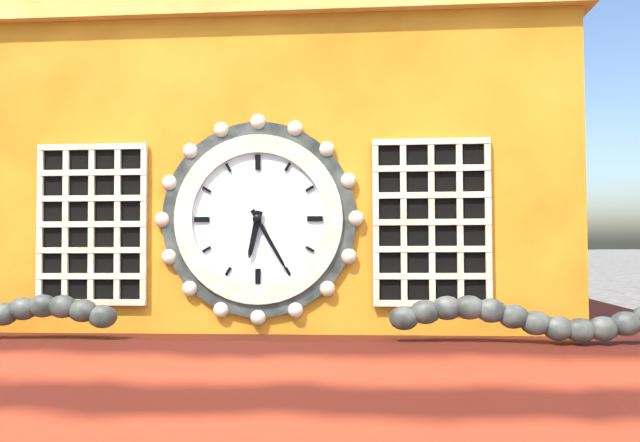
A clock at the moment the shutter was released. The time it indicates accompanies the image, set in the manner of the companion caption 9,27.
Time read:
6,25
